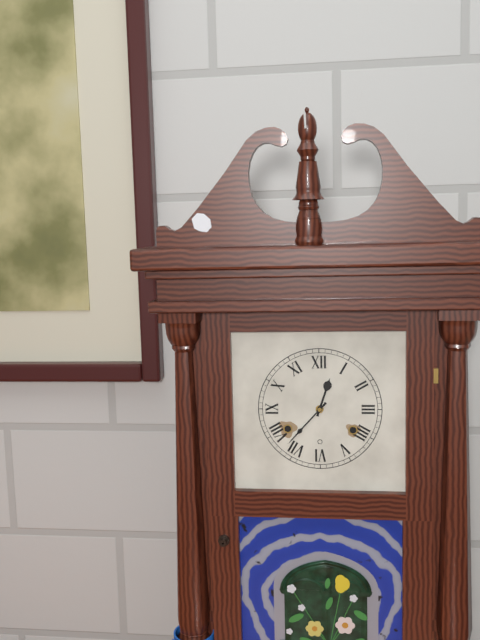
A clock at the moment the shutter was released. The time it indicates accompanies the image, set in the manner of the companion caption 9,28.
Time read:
12,37
